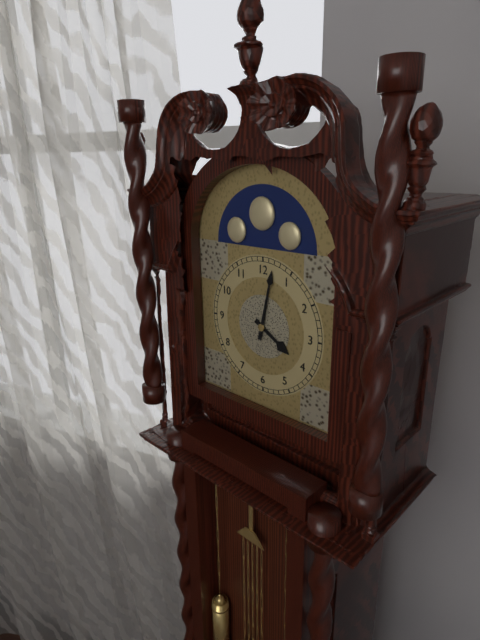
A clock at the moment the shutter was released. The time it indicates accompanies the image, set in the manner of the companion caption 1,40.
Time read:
4,02
